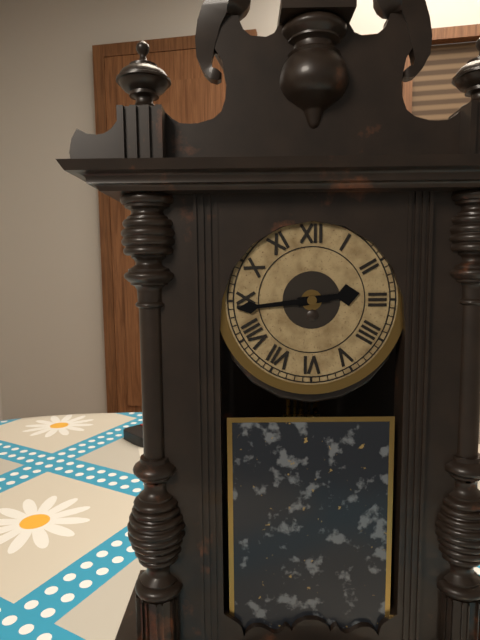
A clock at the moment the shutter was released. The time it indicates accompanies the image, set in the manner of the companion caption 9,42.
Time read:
2,44
